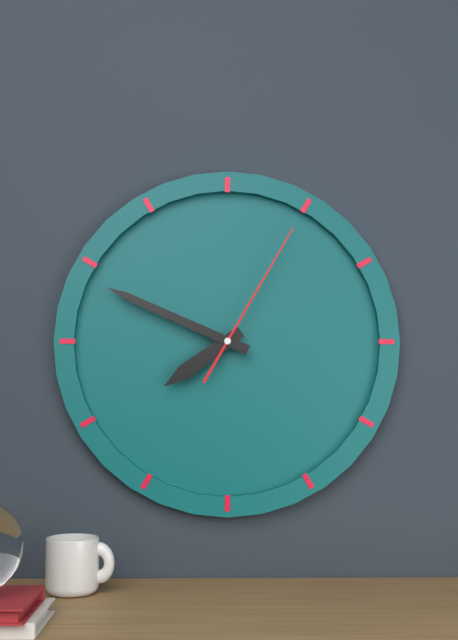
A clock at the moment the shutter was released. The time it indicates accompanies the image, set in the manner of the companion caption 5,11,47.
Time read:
7,49,05
